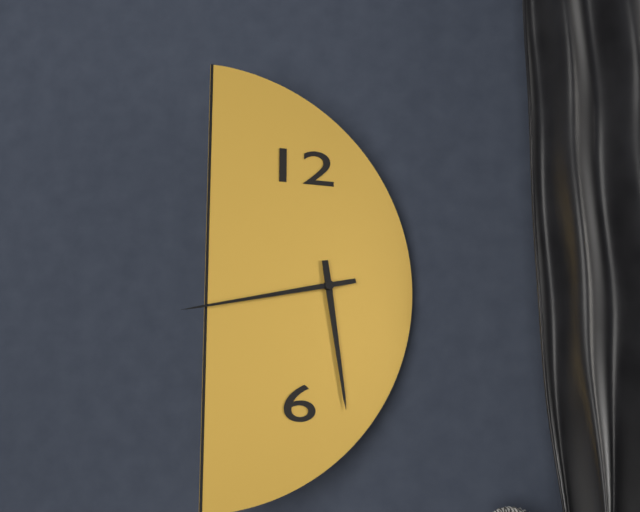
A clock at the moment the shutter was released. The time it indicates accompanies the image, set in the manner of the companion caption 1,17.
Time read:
5,43
